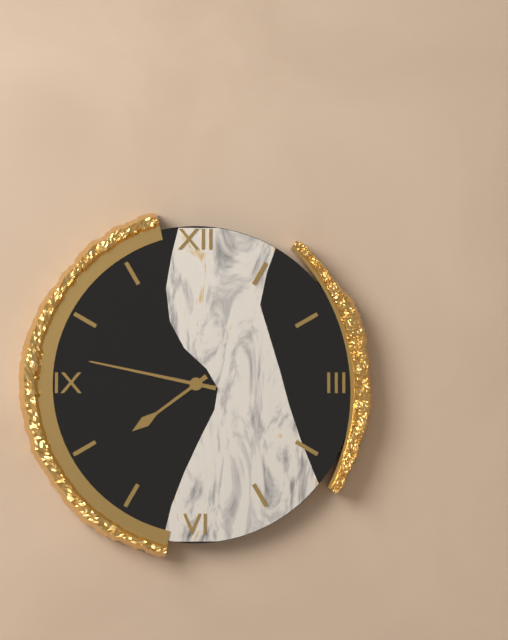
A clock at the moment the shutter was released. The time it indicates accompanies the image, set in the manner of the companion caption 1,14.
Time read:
7,47
